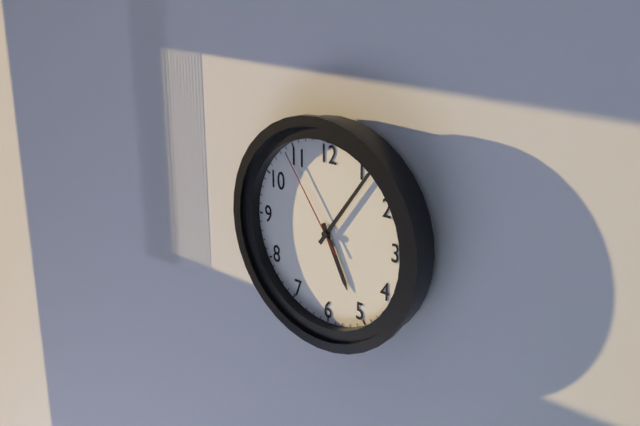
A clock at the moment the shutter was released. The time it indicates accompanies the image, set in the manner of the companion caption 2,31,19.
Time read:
5,06,54
